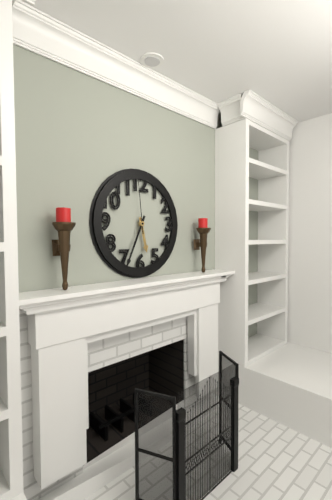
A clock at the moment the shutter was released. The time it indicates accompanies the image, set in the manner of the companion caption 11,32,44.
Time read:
5,34,59
